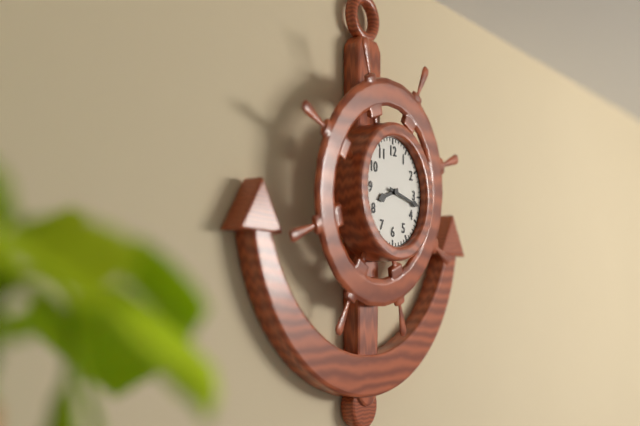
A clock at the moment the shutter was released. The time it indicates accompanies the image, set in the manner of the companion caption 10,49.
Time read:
8,17
